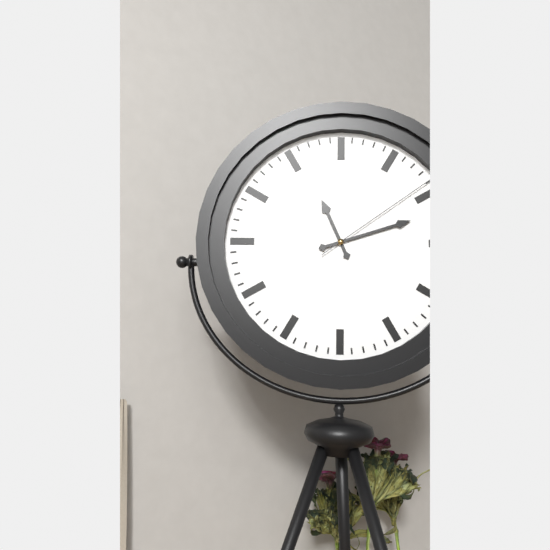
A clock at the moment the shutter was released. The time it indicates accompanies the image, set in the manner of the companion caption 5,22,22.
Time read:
11,12,09
